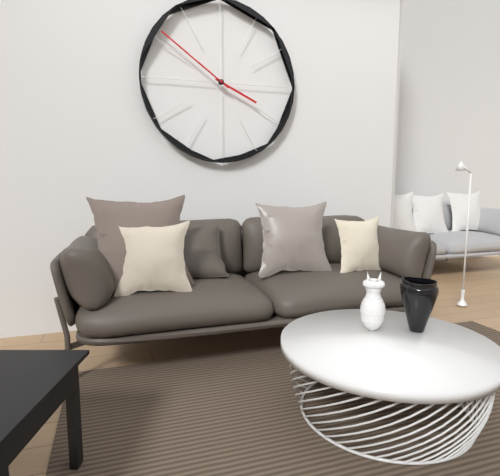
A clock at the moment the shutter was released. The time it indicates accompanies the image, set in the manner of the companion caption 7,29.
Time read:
3,51
